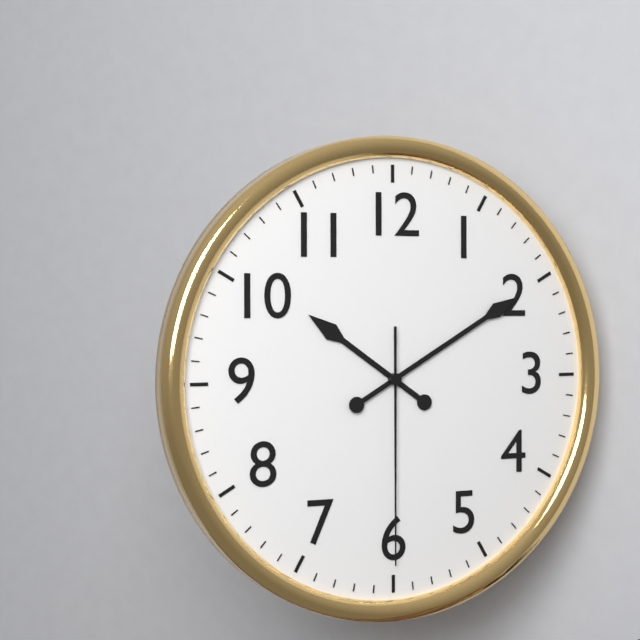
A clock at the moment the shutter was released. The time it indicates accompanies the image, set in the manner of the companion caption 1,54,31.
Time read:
10,10,30
